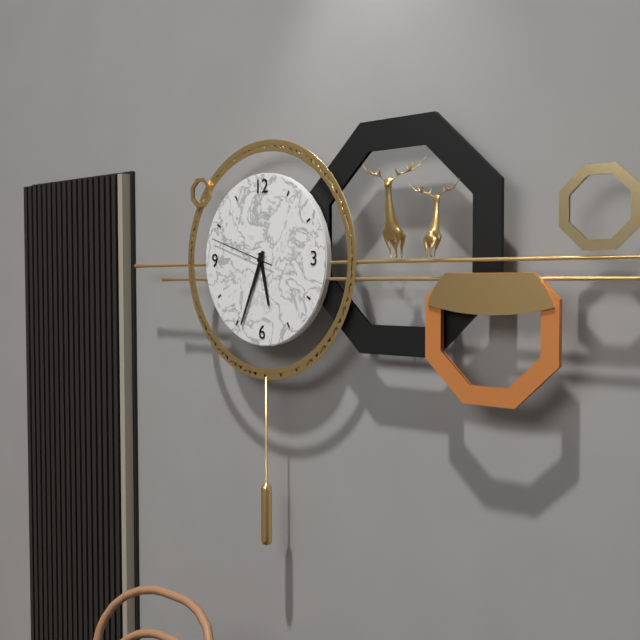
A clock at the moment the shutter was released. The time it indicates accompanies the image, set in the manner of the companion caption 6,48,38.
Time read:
5,34,48
